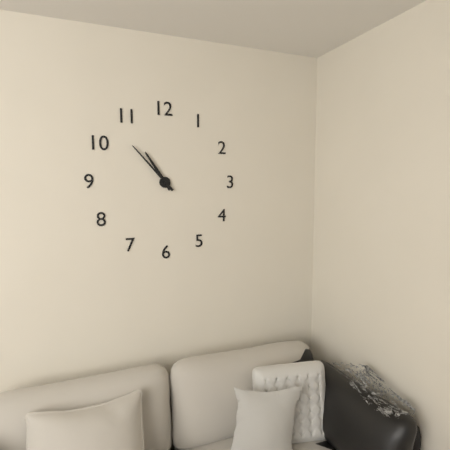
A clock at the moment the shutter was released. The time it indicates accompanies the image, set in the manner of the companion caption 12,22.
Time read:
10,53
